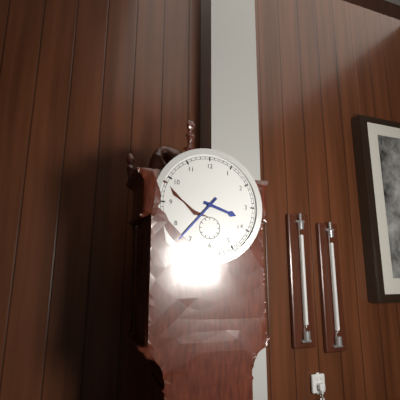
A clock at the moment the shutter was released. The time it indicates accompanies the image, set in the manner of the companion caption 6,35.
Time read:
3,37
